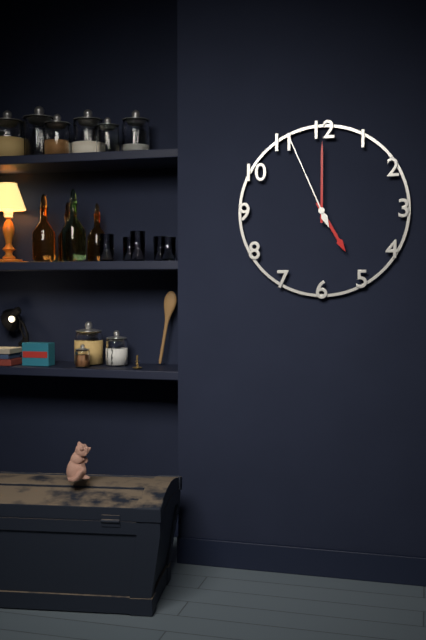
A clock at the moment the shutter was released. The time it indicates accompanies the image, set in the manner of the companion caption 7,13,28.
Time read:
5,00,56
